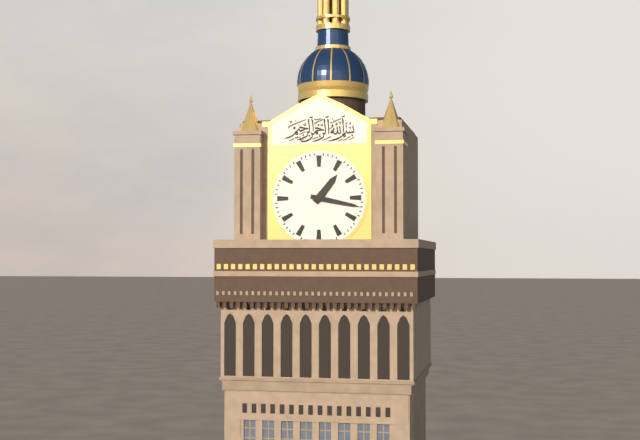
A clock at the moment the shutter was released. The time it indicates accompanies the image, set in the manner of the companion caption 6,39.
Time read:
1,17
